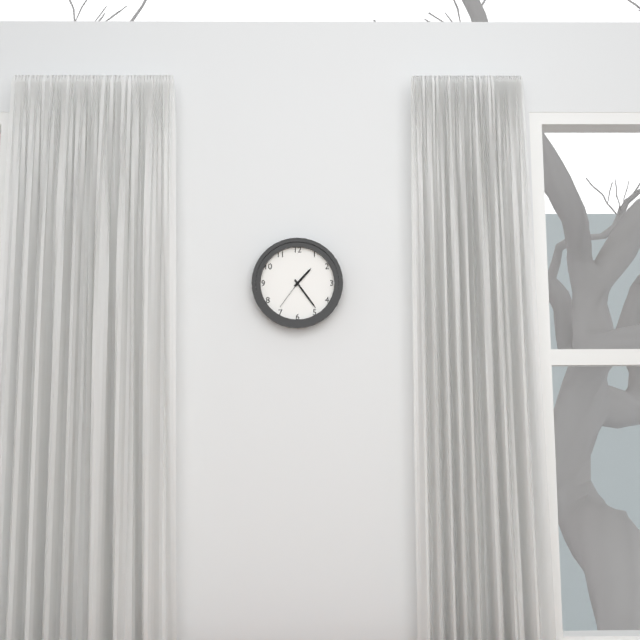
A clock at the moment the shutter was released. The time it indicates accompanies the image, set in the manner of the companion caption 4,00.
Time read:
1,24
